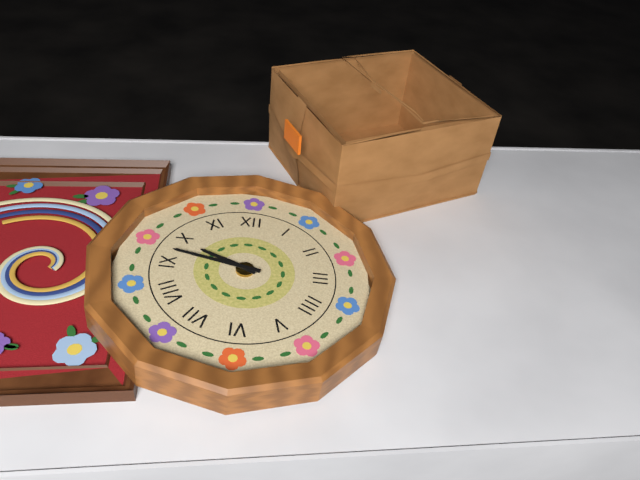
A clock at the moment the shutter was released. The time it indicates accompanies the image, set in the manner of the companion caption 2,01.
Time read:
9,47
